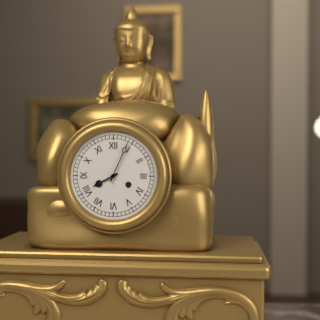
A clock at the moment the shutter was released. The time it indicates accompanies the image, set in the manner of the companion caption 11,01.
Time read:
8,04
